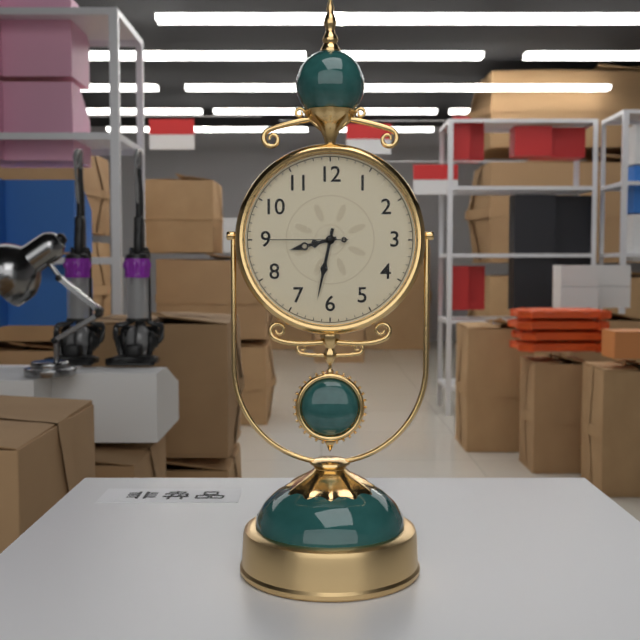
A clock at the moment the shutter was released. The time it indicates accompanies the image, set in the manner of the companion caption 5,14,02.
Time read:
8,32,45
